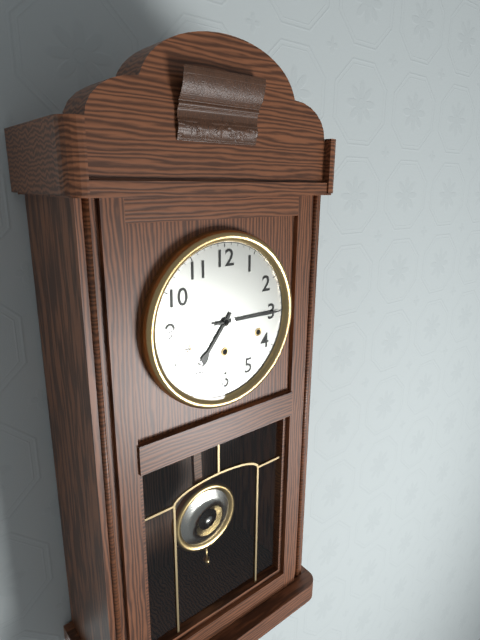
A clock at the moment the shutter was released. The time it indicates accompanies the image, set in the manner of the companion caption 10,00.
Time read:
7,15
